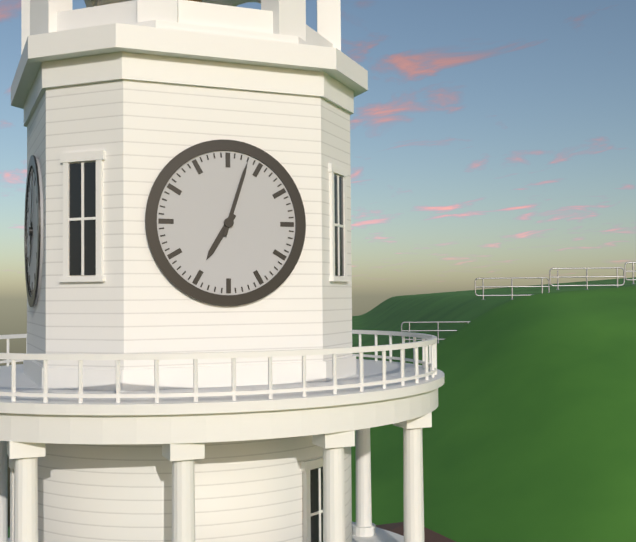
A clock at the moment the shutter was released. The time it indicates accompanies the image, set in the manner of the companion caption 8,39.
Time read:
7,03
